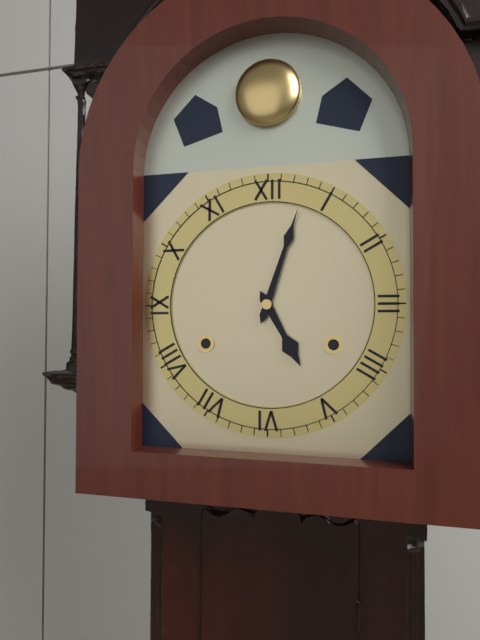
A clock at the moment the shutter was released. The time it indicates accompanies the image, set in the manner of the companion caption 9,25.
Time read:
5,03
